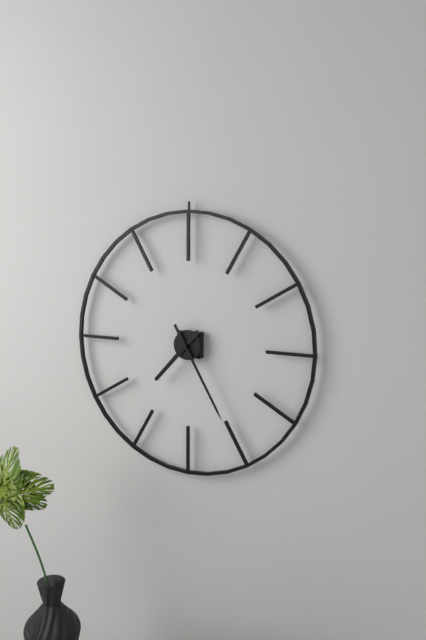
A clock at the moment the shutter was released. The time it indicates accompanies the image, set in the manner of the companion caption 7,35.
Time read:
7,25
